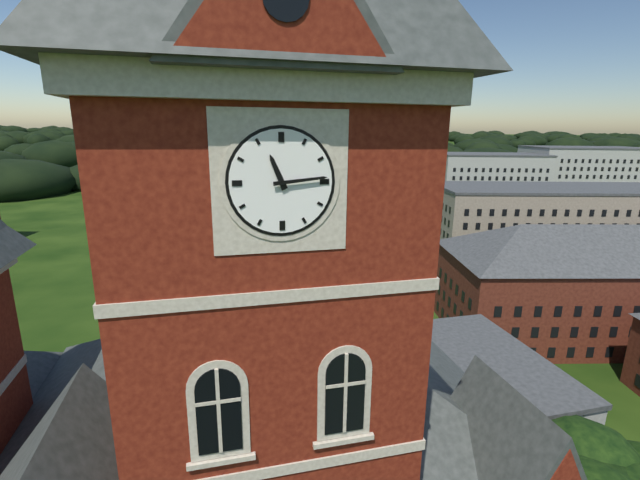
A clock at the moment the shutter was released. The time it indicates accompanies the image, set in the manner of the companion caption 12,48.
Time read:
11,14
